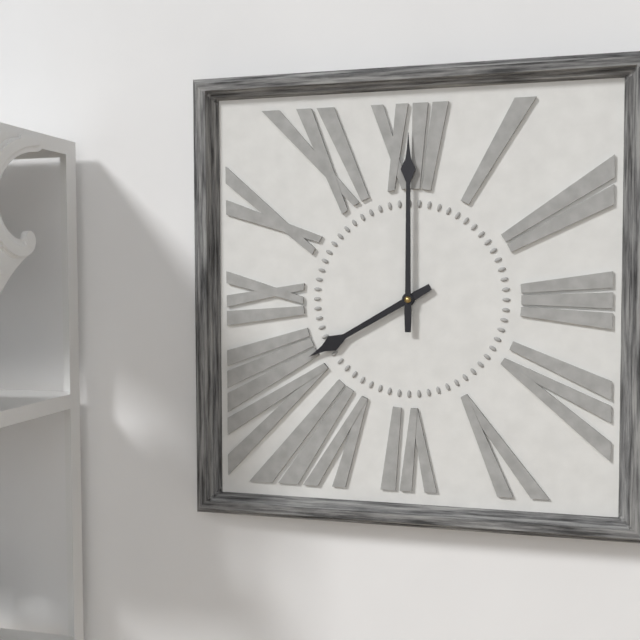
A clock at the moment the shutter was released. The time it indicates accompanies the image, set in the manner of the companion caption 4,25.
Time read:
8,00
